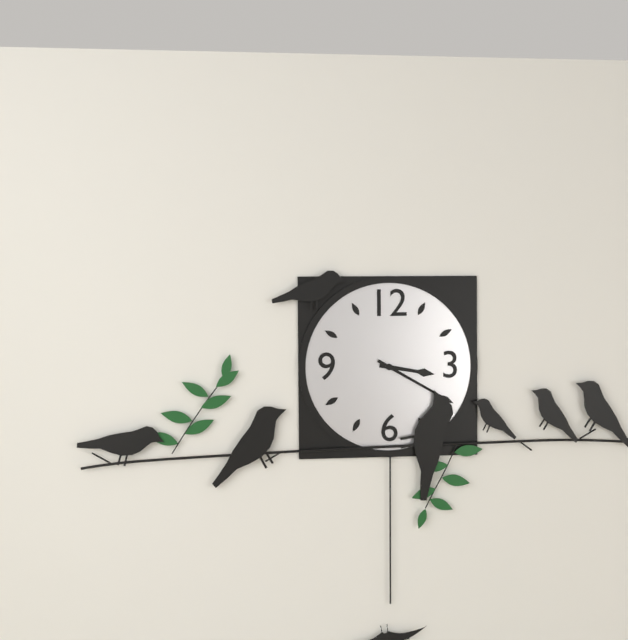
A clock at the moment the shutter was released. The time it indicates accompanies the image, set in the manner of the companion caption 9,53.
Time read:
3,20
